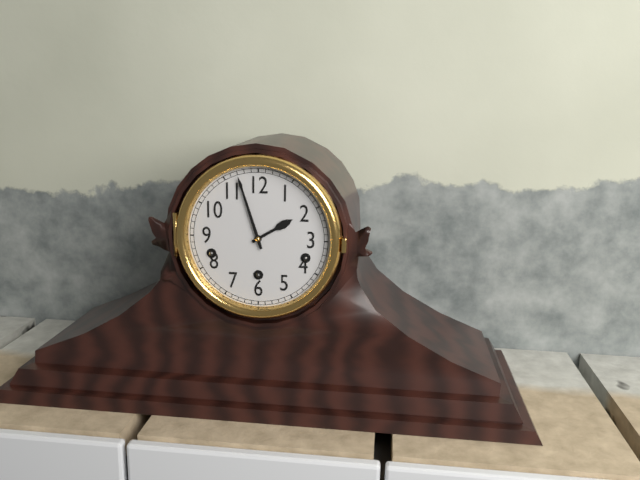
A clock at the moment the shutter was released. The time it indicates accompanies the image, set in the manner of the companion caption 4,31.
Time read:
1,57
